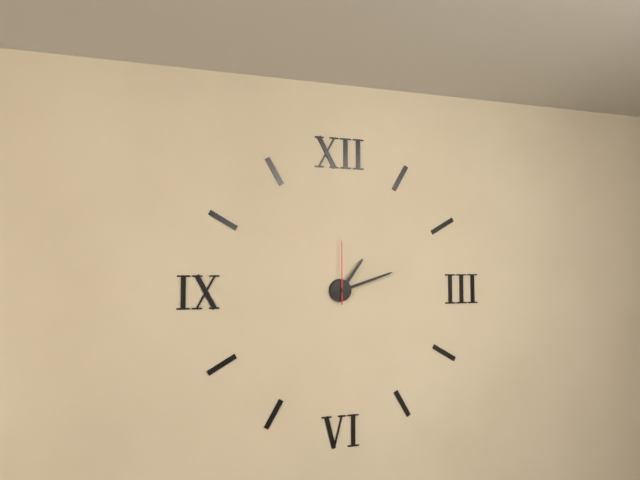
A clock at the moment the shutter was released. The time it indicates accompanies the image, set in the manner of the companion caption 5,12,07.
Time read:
1,12,00
